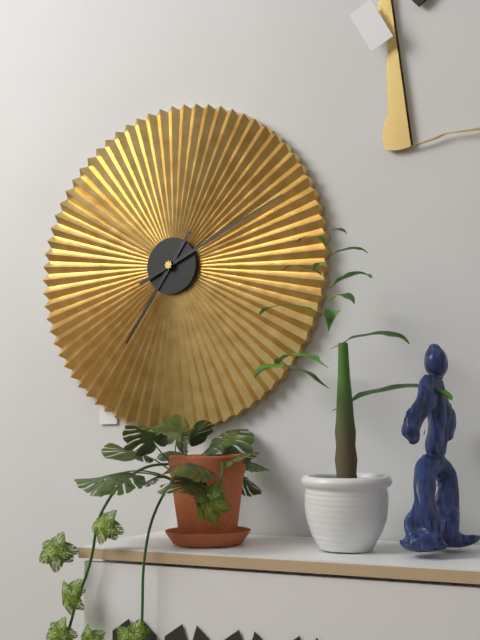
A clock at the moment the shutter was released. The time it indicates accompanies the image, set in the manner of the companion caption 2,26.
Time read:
7,11
